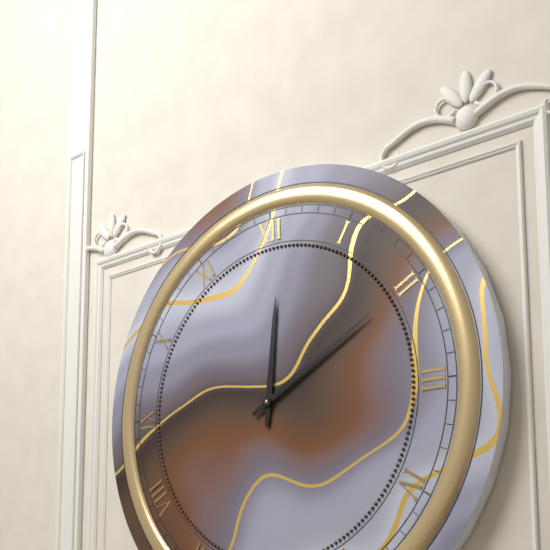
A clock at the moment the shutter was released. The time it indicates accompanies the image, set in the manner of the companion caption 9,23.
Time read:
12,10
